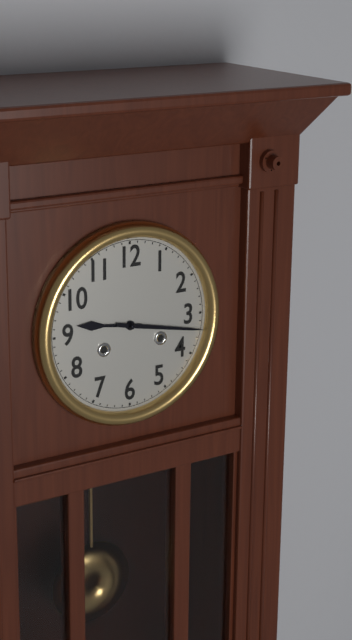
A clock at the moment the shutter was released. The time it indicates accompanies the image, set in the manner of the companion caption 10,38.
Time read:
9,17
